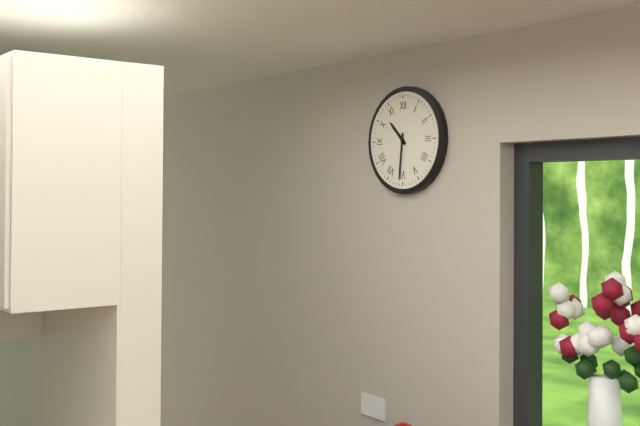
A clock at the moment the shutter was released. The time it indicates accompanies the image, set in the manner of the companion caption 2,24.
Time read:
10,31
